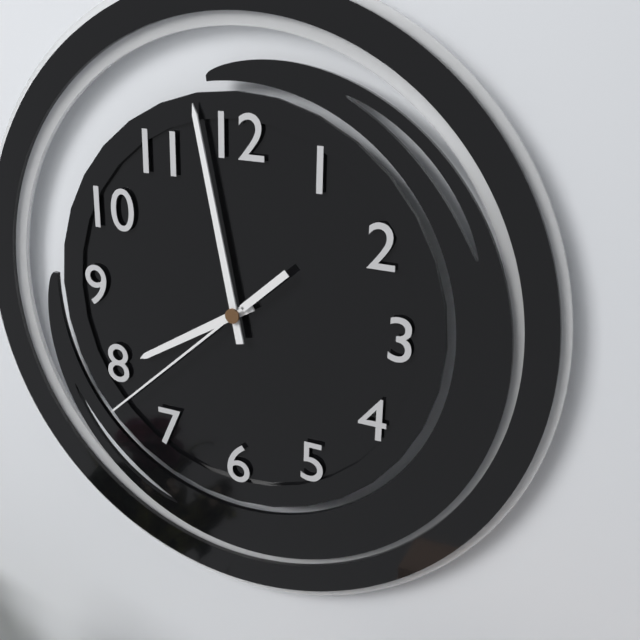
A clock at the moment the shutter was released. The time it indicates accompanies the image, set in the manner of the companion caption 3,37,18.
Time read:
7,58,38
